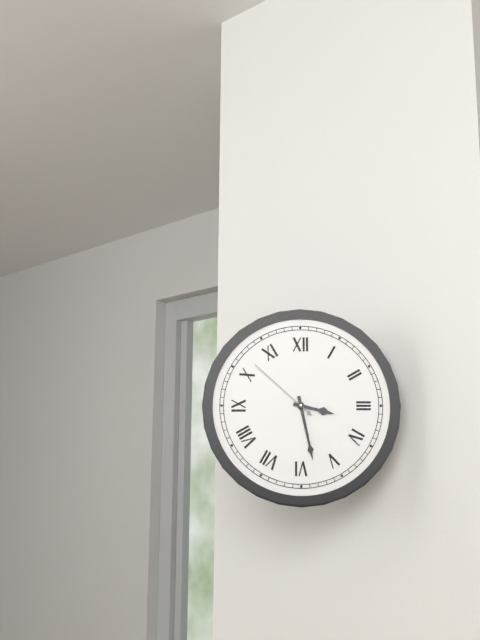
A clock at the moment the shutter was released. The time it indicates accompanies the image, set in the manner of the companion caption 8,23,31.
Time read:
3,28,52
